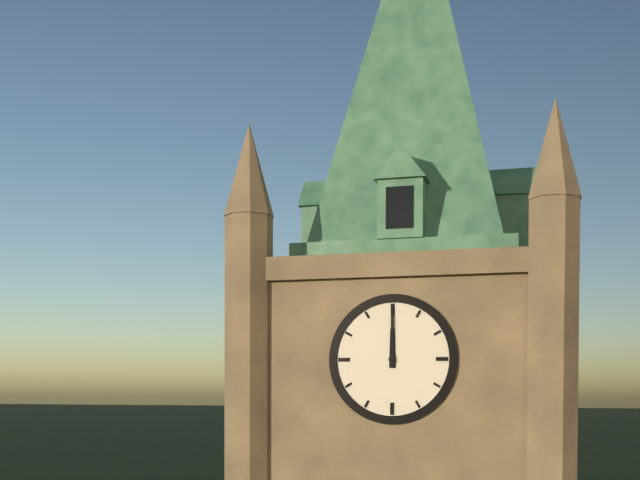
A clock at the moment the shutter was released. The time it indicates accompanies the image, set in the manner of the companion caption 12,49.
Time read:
12,00
